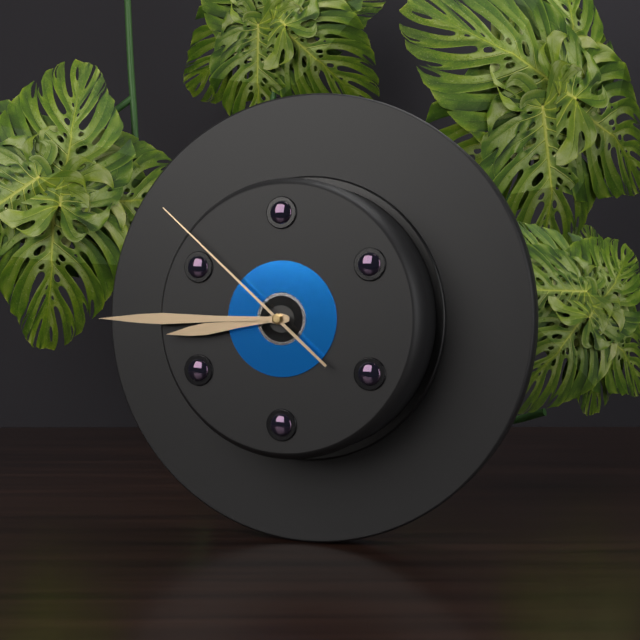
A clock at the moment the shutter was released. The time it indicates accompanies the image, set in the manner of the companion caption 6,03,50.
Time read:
8,45,52
